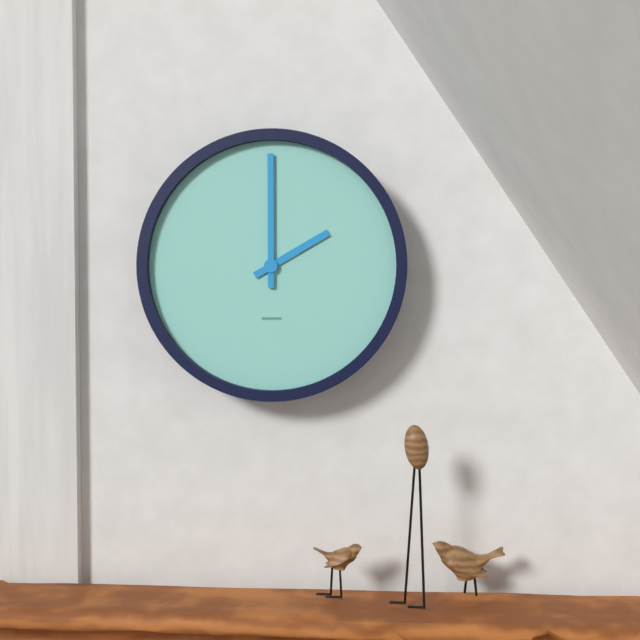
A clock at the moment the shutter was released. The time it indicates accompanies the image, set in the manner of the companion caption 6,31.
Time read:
2,00
